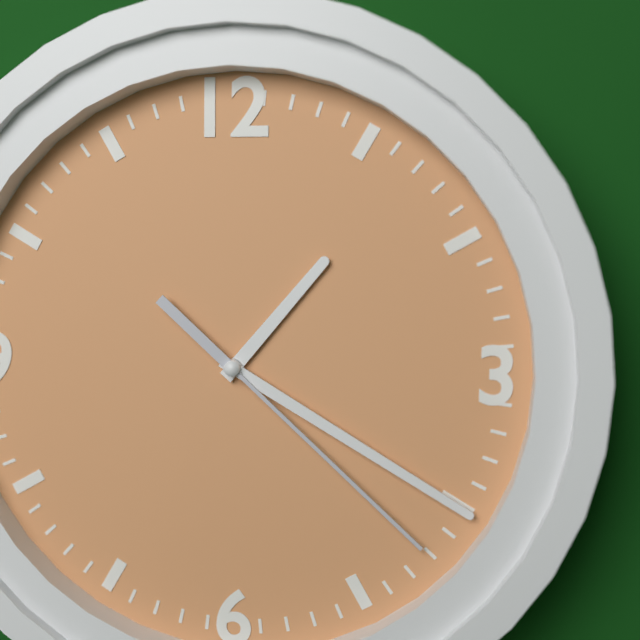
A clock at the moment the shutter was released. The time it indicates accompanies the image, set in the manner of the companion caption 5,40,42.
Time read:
1,20,22
